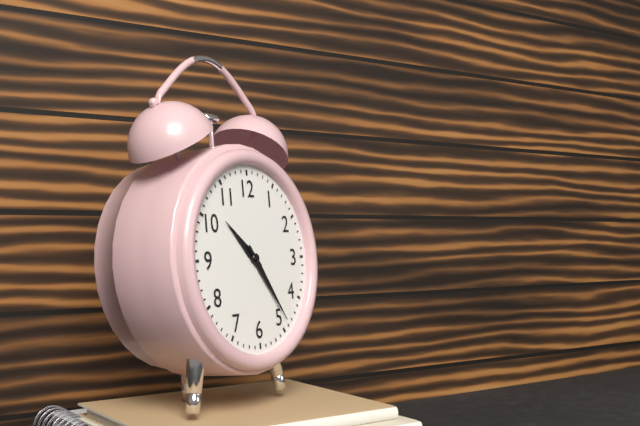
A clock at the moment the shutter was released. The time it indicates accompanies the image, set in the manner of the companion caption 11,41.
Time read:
10,24
